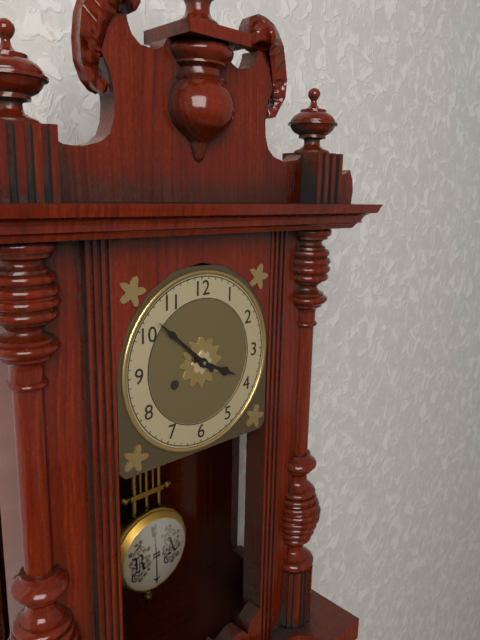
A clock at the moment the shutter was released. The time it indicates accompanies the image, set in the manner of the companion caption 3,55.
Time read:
3,52
